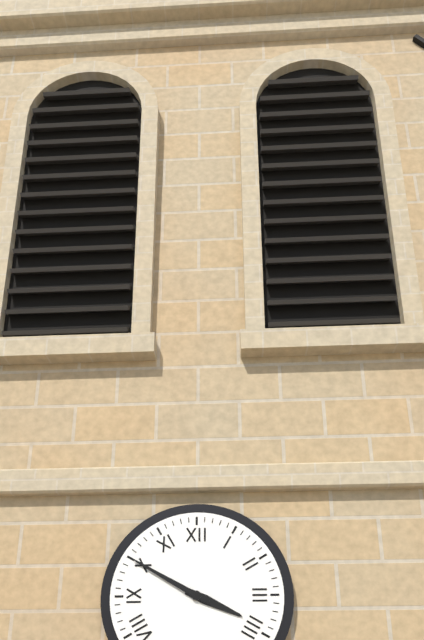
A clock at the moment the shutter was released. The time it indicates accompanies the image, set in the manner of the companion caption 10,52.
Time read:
3,50
